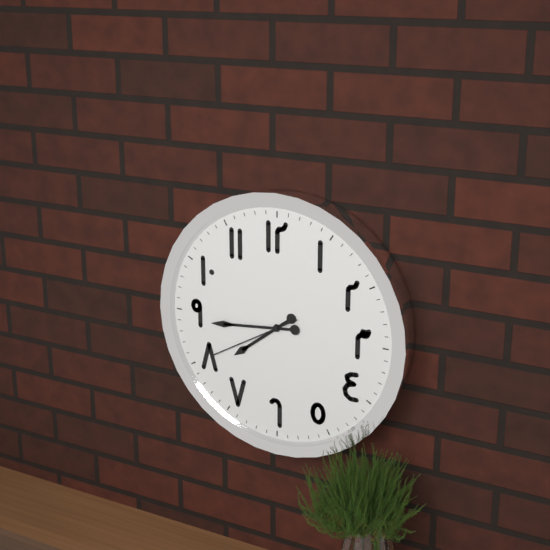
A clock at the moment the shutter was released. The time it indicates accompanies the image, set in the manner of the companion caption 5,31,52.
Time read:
7,44,40
